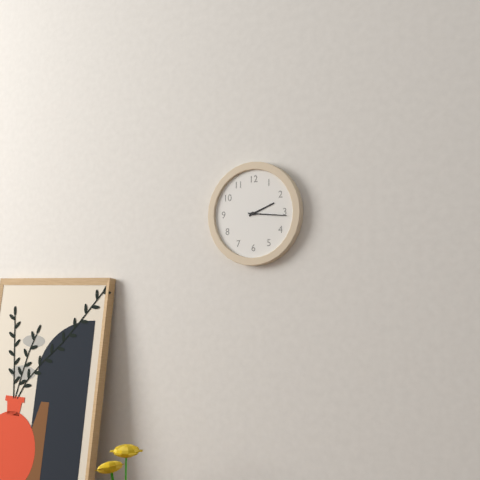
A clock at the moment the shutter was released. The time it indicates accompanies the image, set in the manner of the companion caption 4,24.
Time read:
2,16
